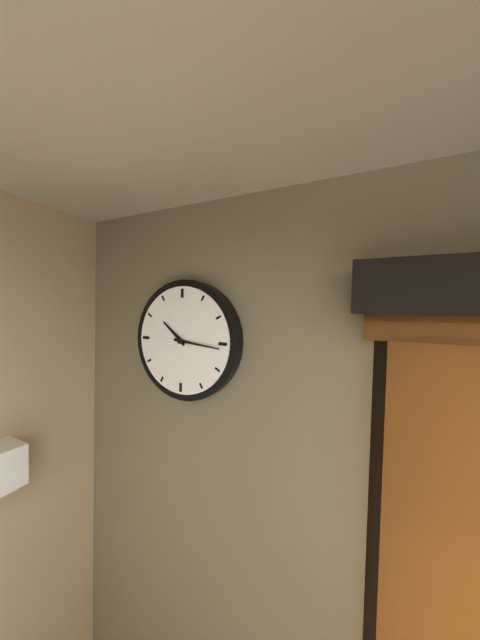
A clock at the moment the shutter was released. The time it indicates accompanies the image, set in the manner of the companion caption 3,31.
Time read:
10,16
